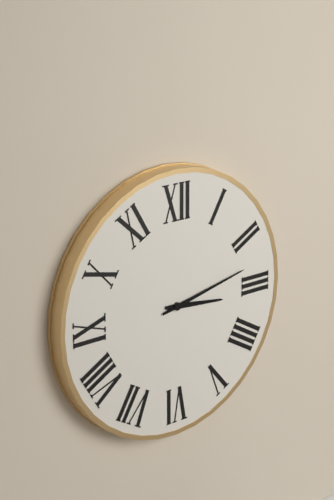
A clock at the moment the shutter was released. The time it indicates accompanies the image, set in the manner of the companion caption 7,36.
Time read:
3,13
